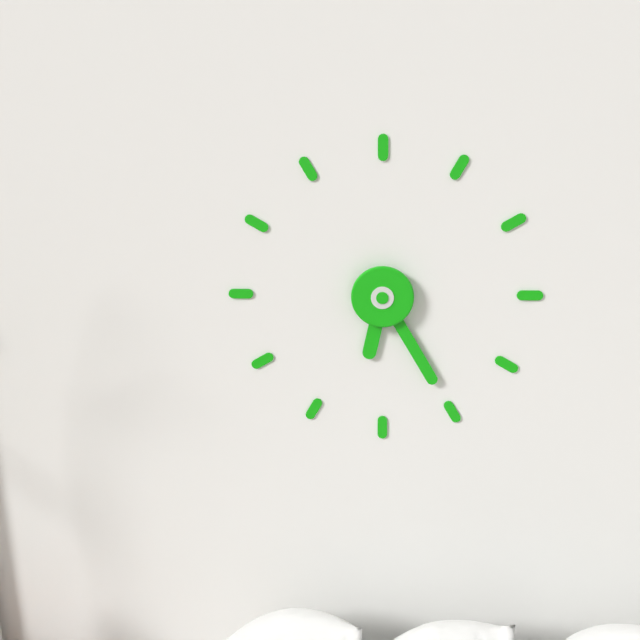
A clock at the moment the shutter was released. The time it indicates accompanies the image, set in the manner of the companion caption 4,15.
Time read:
6,25
